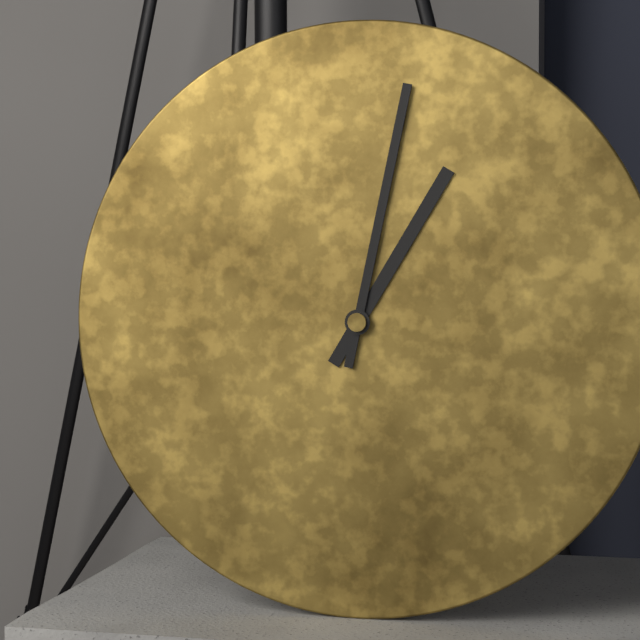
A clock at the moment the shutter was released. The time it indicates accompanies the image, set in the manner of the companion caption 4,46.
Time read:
1,02
